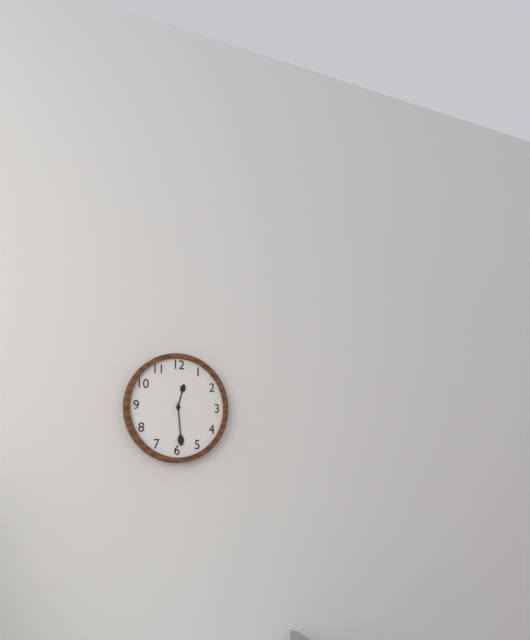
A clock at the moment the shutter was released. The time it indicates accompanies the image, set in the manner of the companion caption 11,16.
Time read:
12,29
